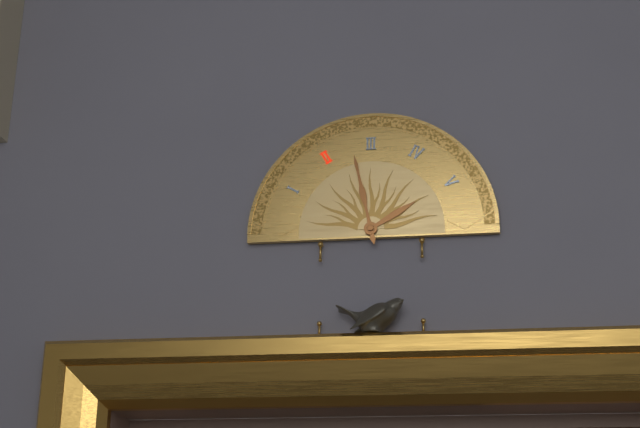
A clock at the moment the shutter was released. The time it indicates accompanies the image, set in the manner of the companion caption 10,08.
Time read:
1,58
